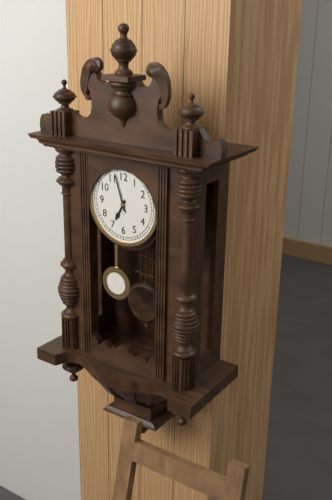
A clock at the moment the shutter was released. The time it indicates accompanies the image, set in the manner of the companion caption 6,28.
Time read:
6,57
